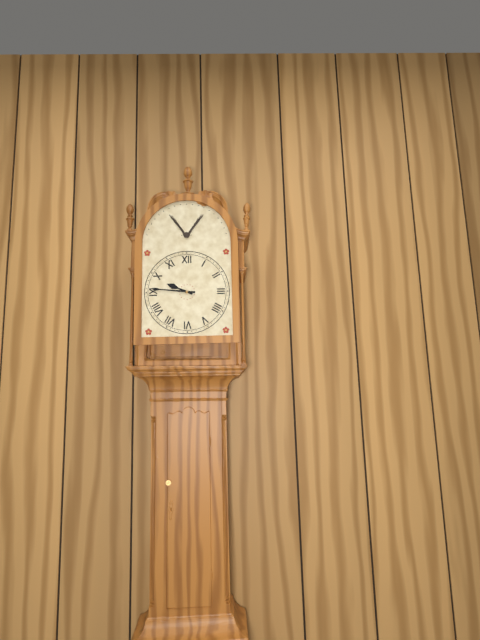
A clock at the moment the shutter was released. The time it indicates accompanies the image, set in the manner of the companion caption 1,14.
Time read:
9,46
